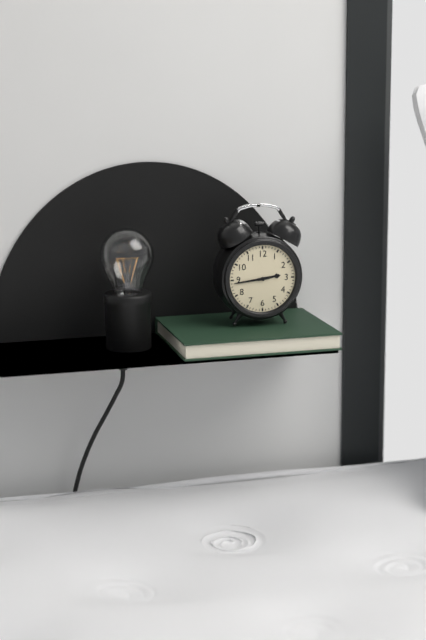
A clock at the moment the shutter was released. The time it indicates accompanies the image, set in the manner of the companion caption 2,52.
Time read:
2,44
